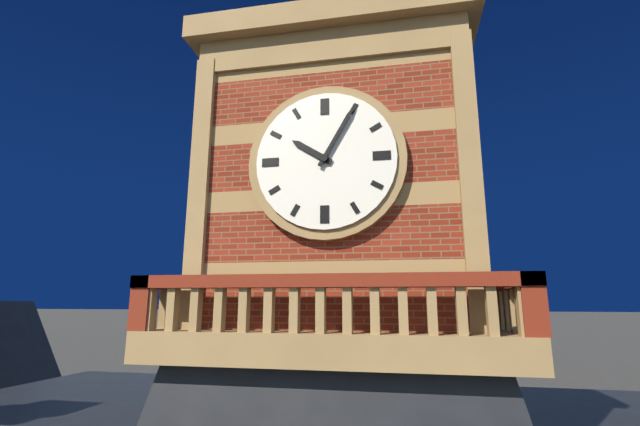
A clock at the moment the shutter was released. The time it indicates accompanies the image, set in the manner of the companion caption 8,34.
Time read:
10,05
